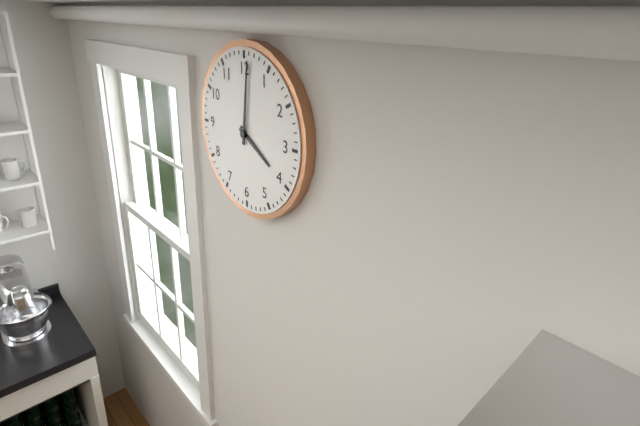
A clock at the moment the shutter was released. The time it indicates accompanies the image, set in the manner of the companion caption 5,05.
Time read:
4,01
